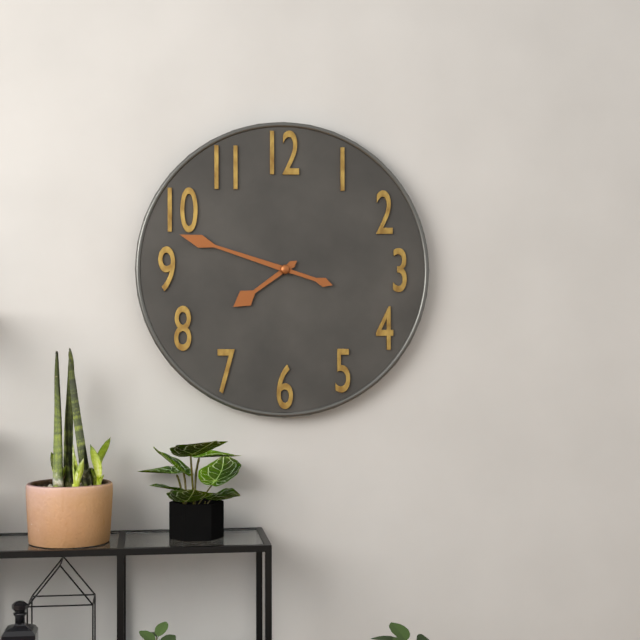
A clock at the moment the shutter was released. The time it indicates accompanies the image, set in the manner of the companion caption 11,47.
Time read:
7,48
